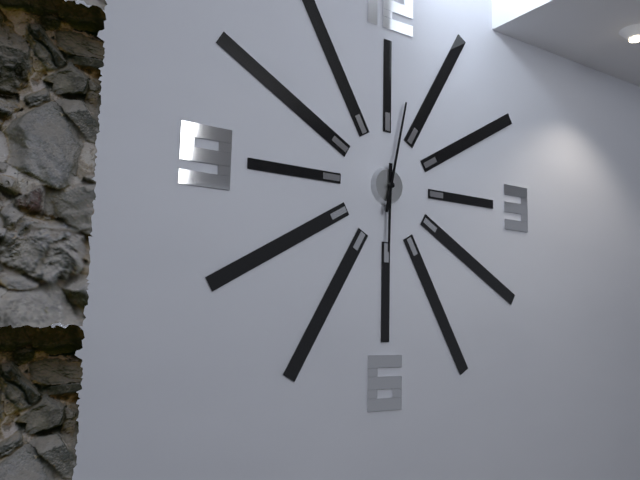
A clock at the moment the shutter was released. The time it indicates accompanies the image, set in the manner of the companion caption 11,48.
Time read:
6,02
